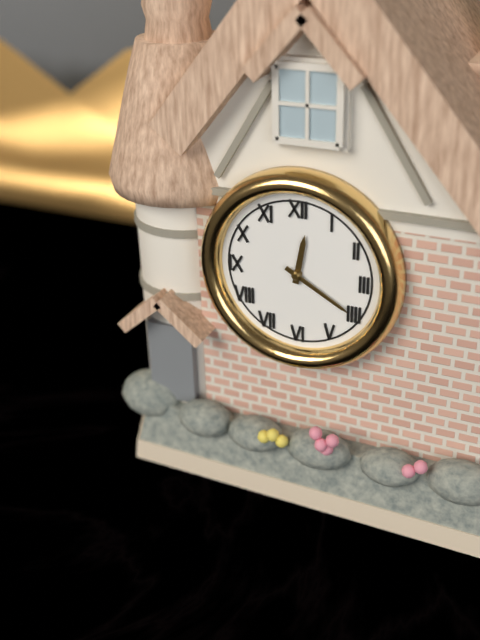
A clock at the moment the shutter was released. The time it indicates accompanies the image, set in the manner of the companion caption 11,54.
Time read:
12,20
